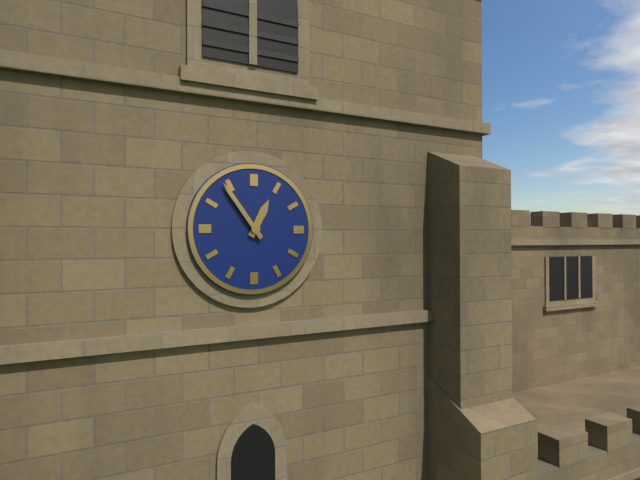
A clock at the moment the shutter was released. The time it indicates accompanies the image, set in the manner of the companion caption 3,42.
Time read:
12,54
